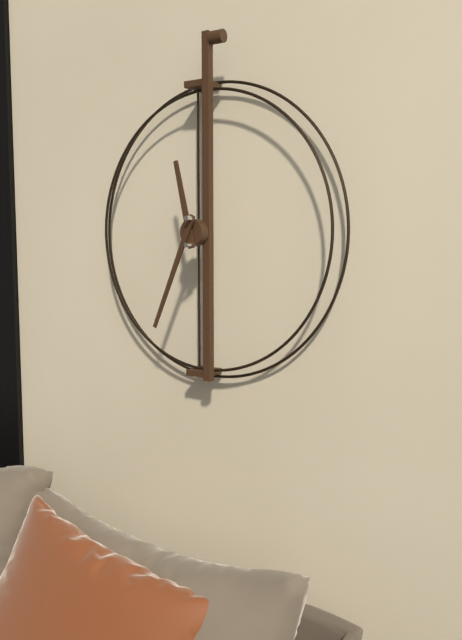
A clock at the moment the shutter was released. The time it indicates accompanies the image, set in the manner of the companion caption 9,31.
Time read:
11,34
